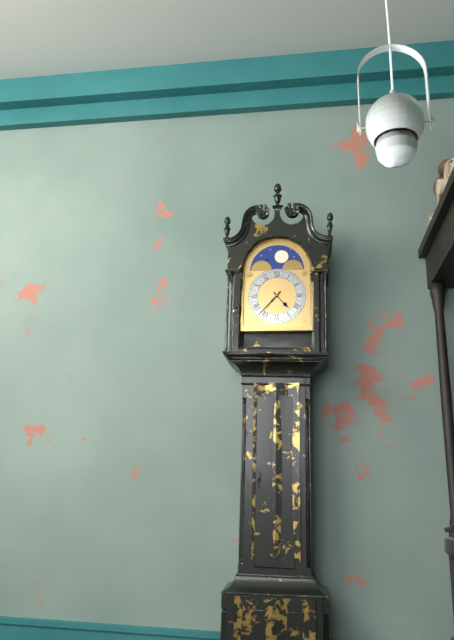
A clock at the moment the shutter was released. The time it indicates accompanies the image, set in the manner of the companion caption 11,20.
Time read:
4,37
